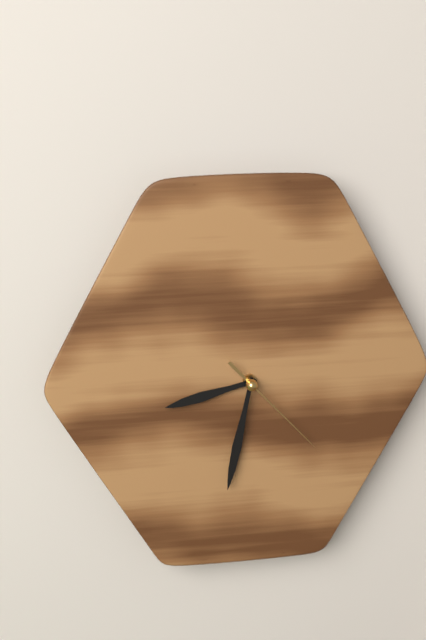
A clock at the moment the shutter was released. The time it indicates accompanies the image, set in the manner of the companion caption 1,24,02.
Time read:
8,32,23
